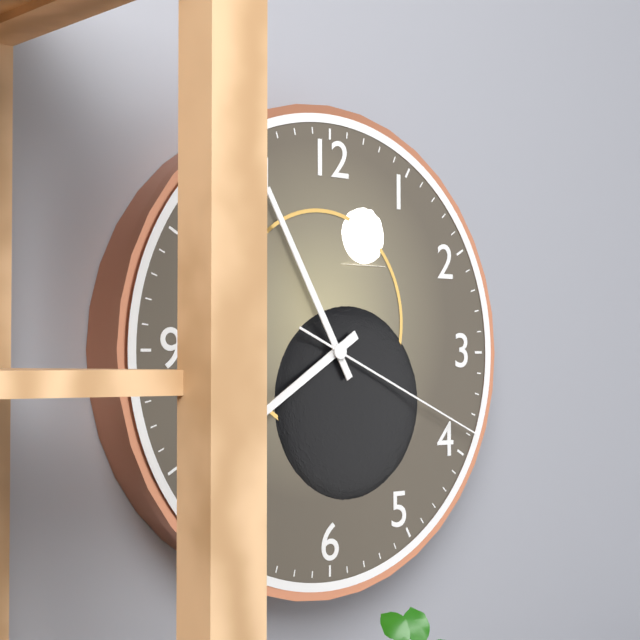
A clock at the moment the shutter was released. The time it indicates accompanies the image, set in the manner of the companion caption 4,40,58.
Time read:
7,55,19
